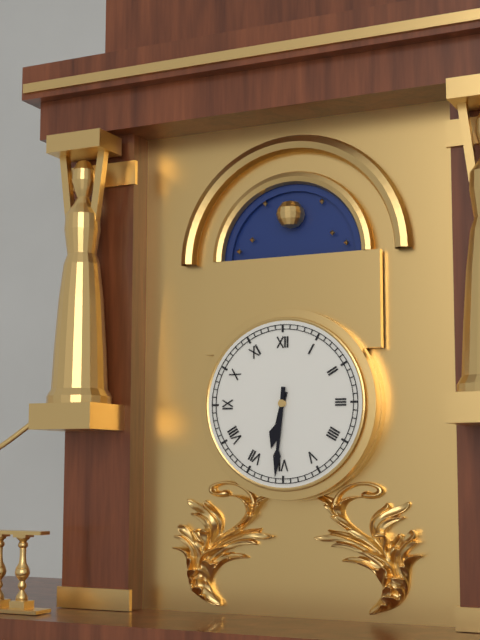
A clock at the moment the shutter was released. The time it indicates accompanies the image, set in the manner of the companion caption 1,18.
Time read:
6,31
